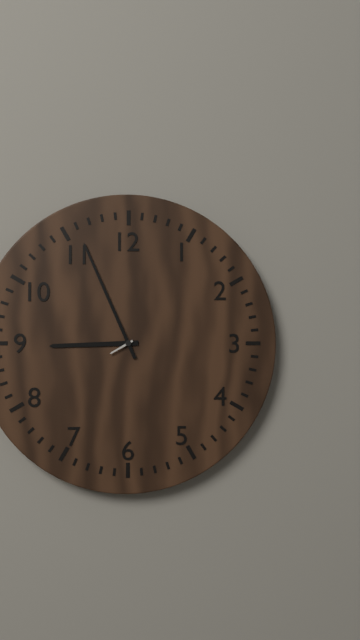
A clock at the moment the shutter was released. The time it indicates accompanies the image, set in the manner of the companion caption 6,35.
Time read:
8,56
